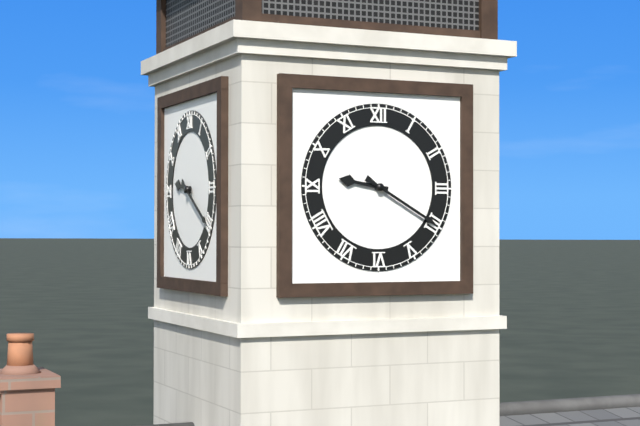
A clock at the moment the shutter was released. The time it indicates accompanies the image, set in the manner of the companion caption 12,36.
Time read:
9,20
